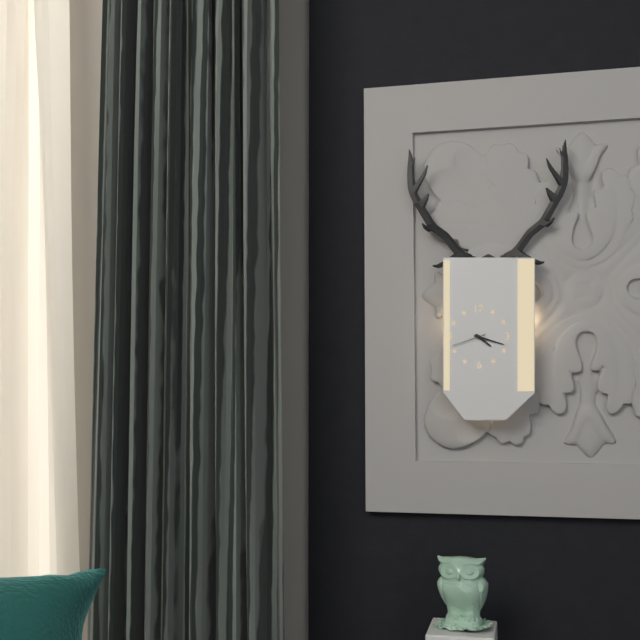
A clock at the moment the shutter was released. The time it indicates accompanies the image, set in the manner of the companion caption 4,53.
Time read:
4,18
